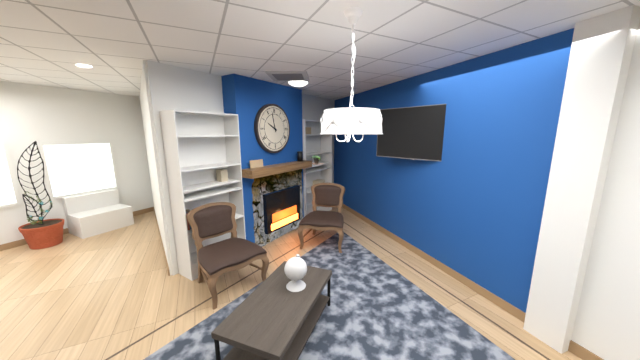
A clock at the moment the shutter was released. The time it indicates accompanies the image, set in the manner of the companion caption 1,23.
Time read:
9,58
